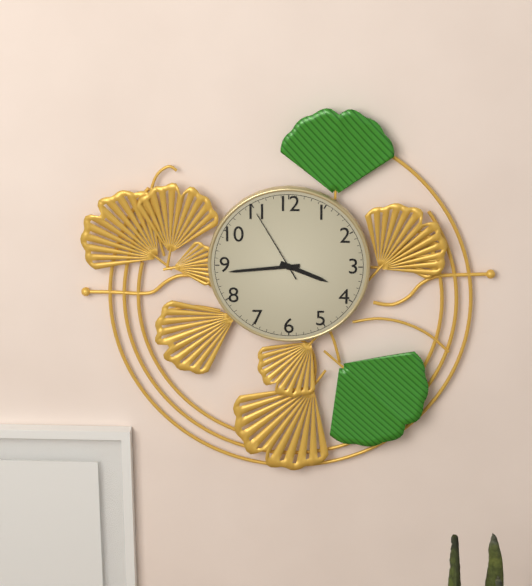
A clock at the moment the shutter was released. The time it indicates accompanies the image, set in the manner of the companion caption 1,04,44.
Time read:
3,44,55
